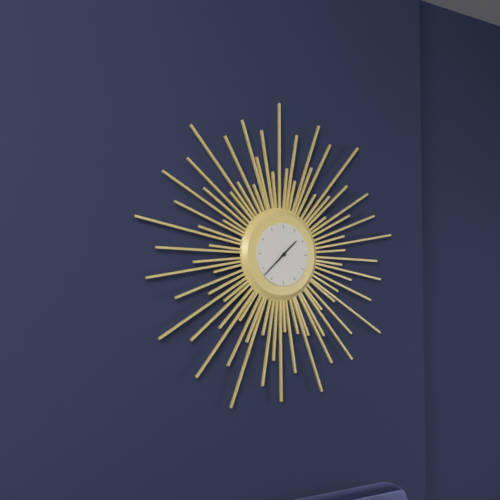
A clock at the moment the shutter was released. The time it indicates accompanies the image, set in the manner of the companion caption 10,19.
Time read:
1,38
